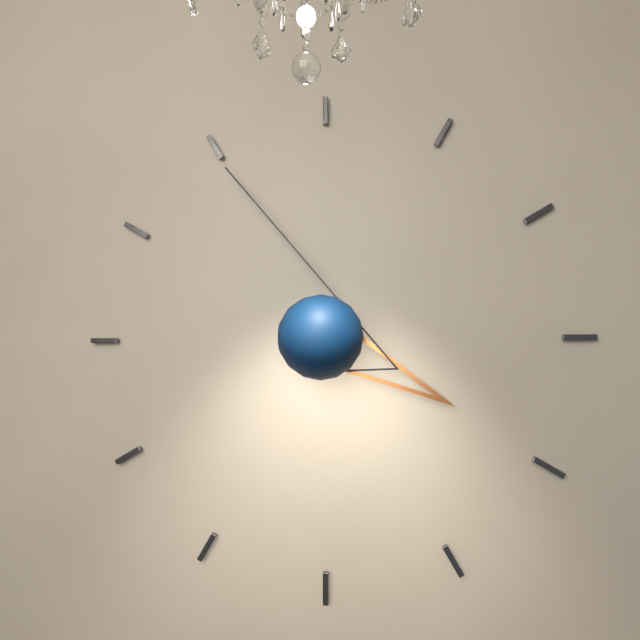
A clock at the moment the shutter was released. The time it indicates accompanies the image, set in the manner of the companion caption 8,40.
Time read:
3,55
